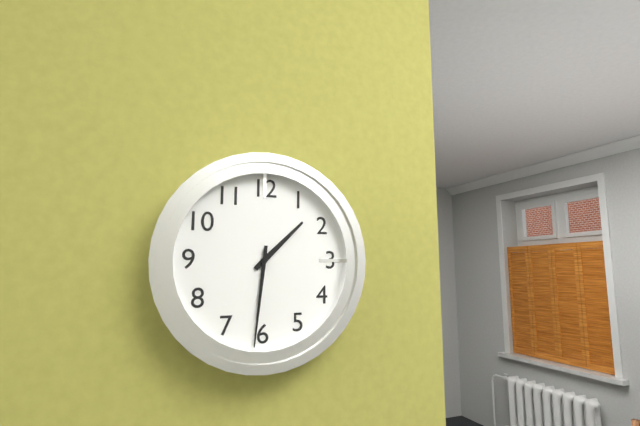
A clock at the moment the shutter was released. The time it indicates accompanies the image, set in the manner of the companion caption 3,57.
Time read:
1,31
